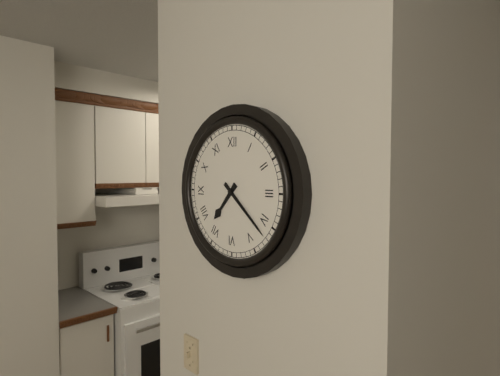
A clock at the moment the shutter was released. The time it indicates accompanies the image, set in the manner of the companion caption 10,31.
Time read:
7,22
